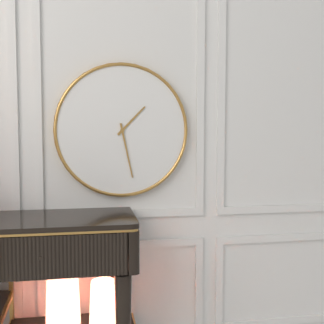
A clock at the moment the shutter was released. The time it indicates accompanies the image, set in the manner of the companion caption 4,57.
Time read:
1,28
